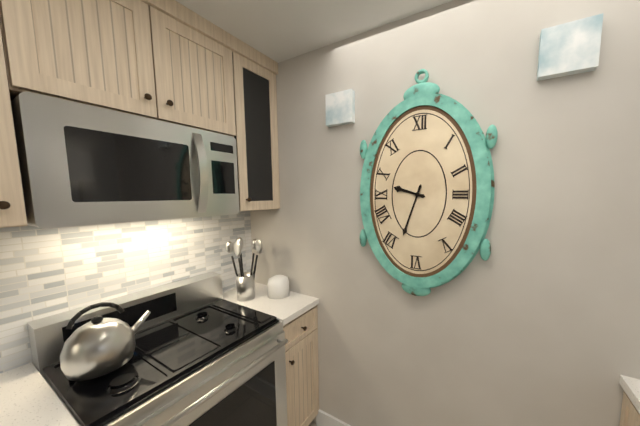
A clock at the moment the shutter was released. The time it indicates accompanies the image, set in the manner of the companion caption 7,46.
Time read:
9,33
